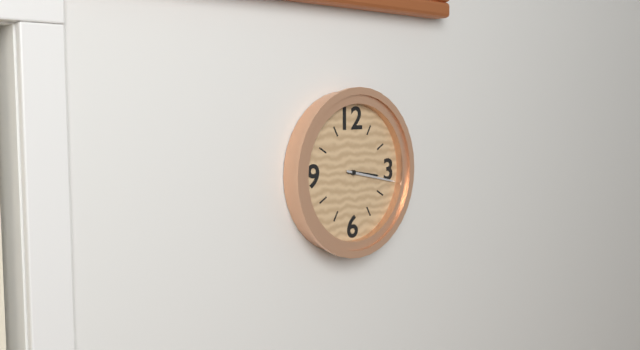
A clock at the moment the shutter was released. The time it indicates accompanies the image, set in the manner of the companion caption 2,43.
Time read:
3,17
